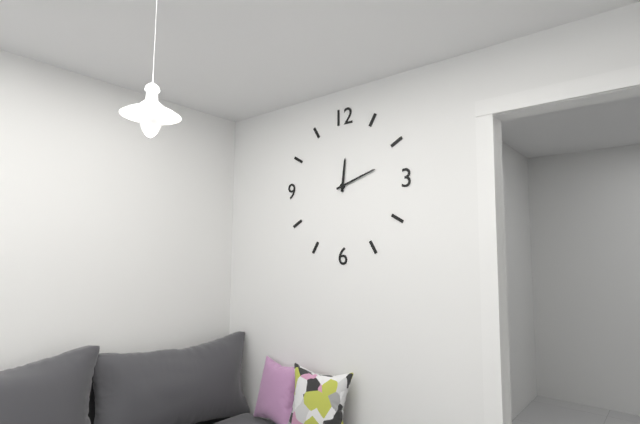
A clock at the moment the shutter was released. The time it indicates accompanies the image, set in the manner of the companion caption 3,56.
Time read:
12,12
